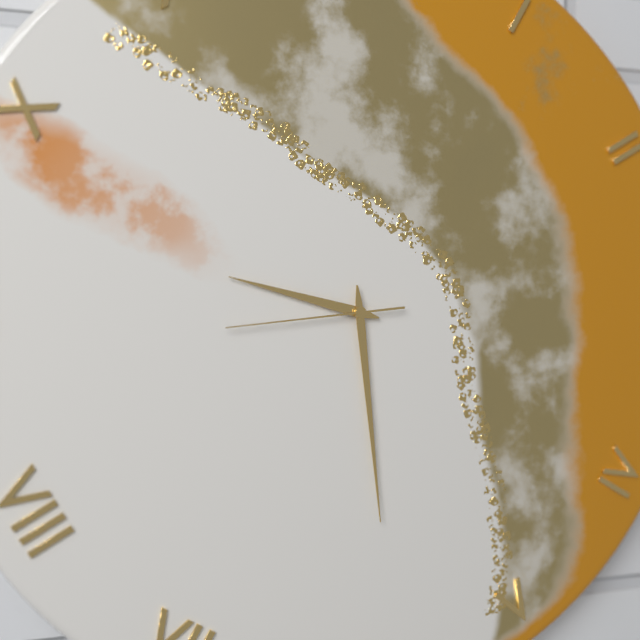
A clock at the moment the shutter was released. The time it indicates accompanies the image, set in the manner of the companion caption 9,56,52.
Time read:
9,29,44
